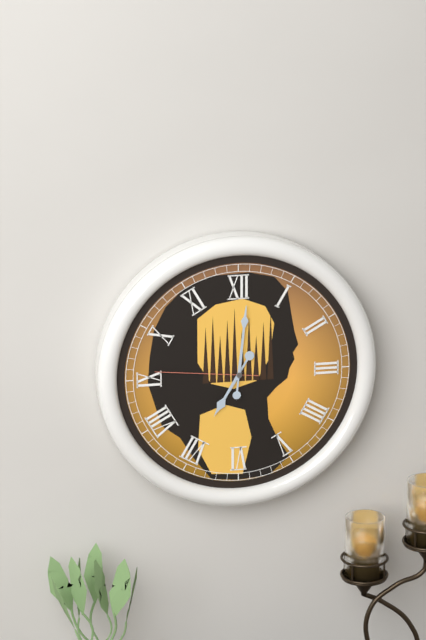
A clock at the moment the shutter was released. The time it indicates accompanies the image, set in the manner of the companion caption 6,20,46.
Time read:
7,01,46
